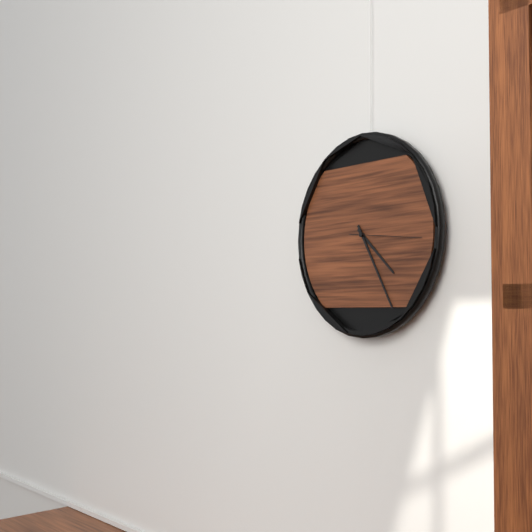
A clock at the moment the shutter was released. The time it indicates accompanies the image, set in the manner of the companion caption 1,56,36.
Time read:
4,25,16
